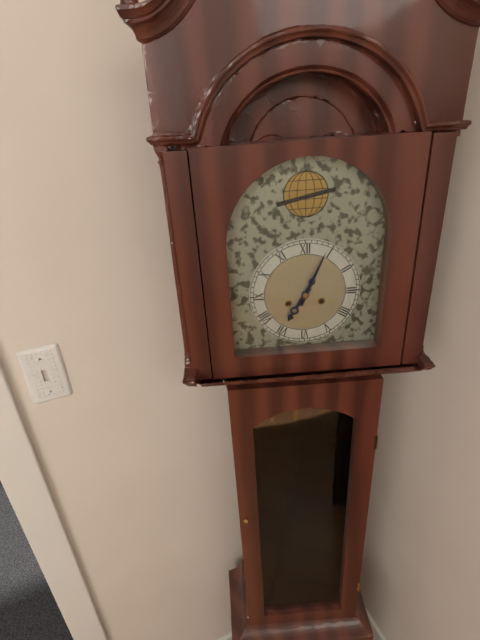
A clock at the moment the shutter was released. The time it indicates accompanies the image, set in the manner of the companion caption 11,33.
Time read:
7,04
